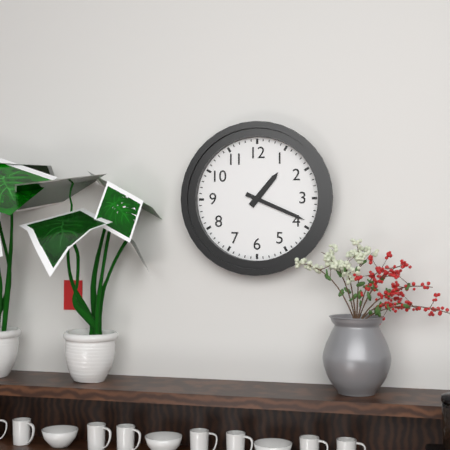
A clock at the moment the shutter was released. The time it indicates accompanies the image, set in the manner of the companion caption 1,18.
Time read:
1,19
